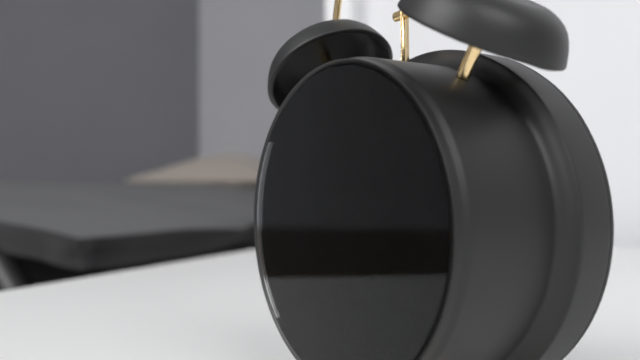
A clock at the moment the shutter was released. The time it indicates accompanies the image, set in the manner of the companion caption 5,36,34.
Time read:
10,19,03
